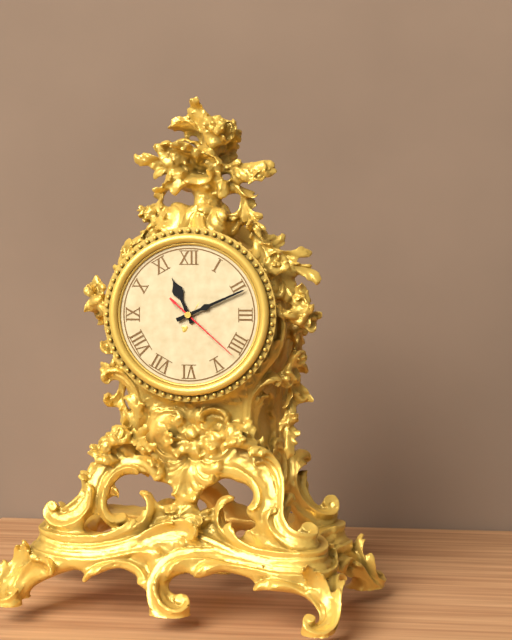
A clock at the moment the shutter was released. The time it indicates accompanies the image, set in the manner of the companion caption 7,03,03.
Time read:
11,11,22
